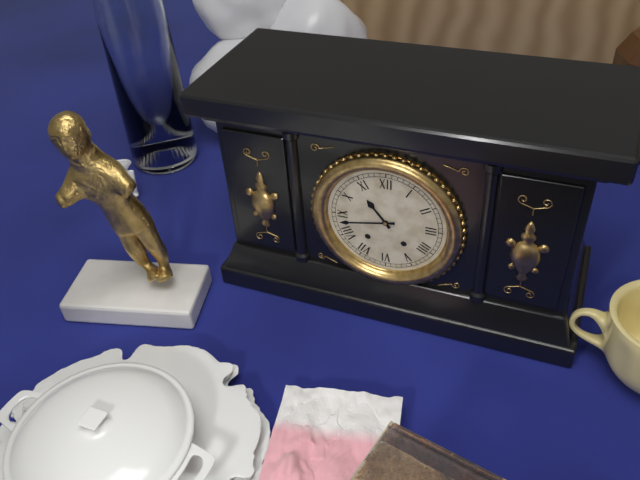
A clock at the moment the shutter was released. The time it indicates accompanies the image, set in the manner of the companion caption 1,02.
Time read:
10,43
